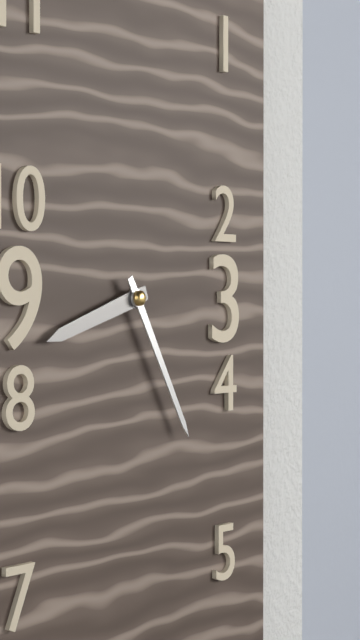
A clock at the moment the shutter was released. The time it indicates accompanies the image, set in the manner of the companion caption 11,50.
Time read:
8,25
